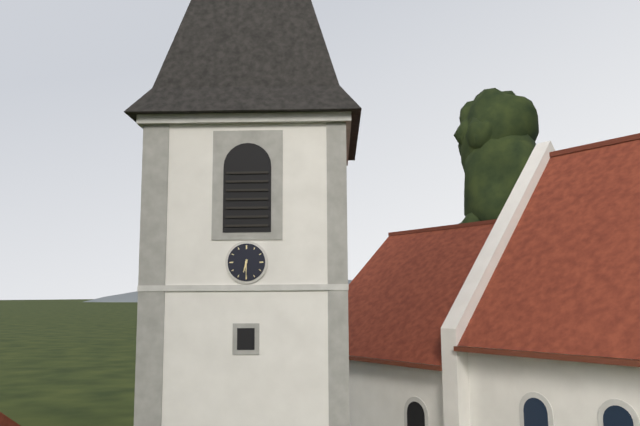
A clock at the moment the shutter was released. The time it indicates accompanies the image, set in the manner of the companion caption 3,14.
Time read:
6,30
